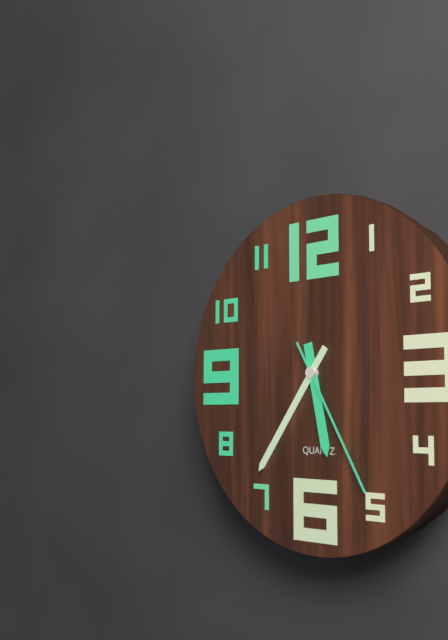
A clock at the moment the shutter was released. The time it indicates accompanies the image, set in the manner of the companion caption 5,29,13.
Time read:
5,36,25
